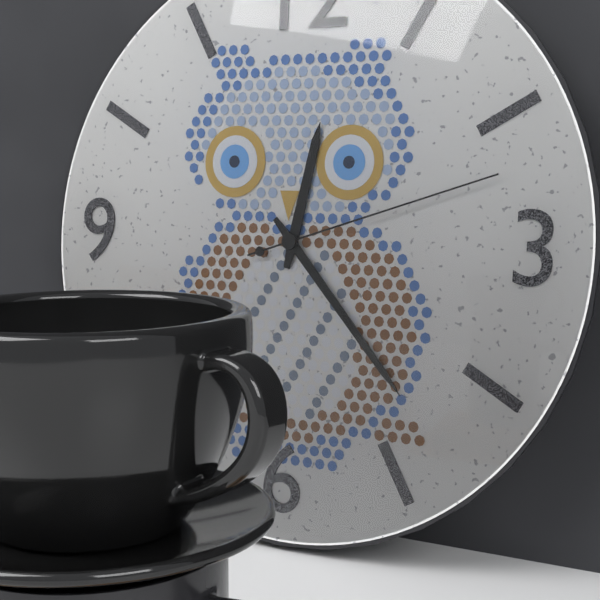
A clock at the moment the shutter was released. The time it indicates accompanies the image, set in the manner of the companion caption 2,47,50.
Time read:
12,23,12
